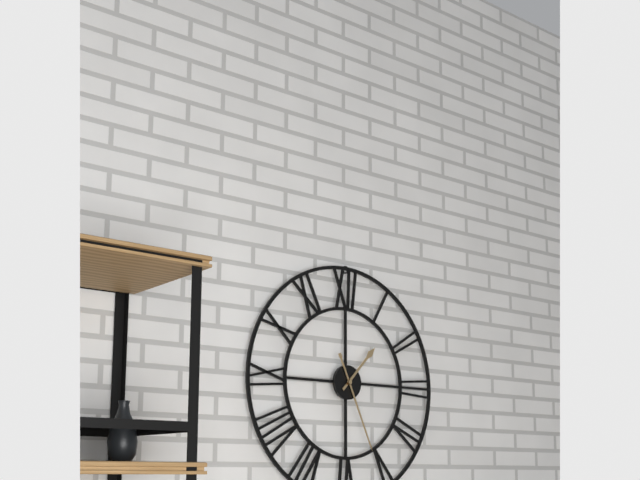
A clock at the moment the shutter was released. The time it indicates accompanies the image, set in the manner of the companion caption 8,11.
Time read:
1,26
